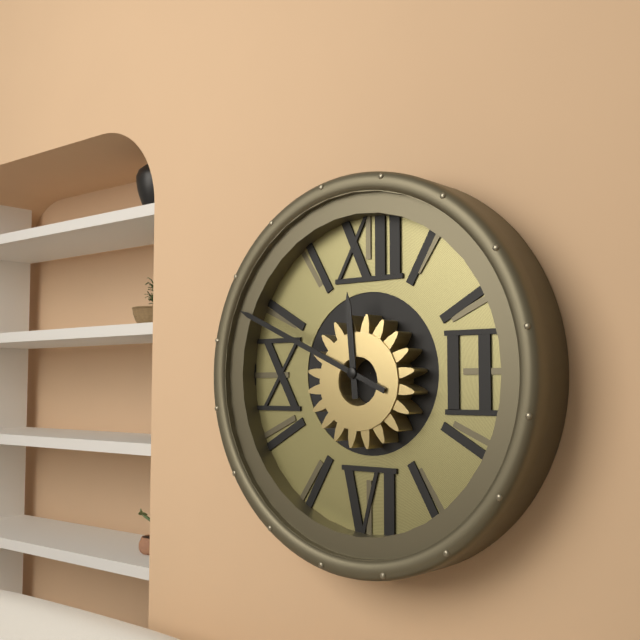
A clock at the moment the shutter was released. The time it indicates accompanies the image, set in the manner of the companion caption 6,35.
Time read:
11,49
